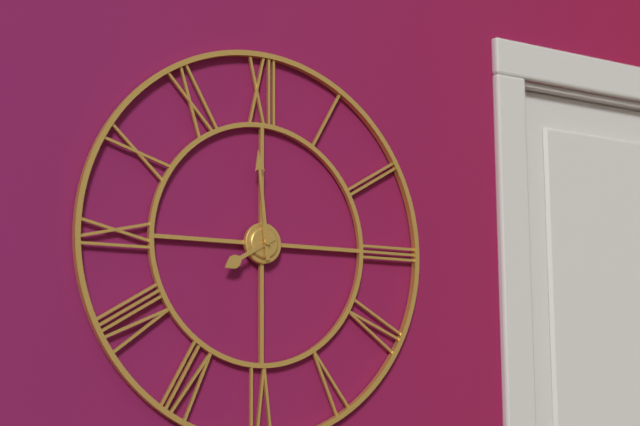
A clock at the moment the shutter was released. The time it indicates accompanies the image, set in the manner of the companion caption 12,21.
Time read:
7,59
